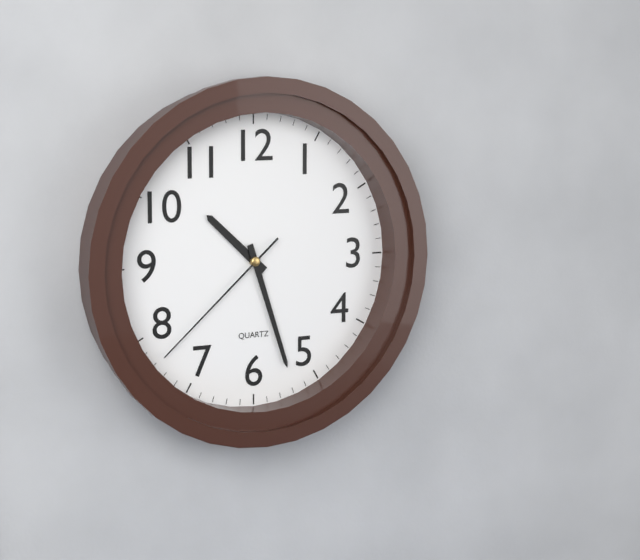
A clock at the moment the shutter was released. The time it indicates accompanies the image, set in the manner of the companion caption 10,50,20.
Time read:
10,27,38
